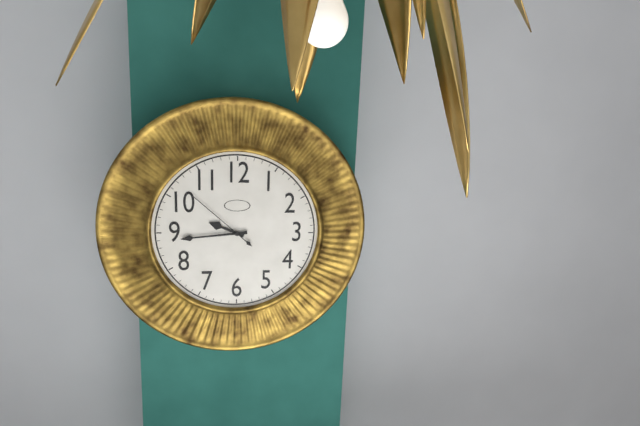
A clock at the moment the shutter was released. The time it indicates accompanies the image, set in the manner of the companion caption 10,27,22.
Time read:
9,44,52
